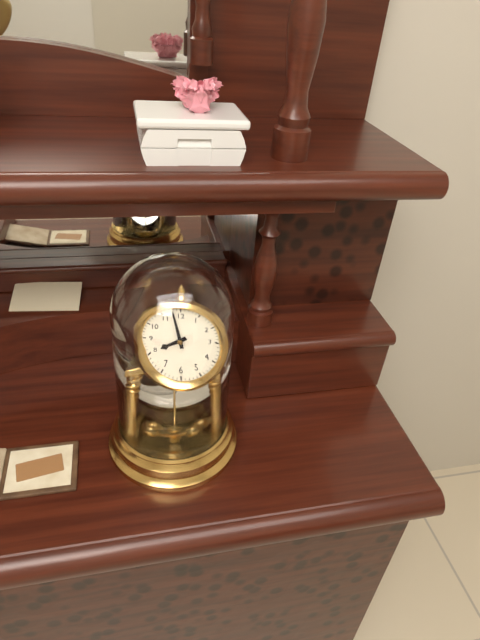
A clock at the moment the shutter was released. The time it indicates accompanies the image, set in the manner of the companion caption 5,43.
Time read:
7,58
